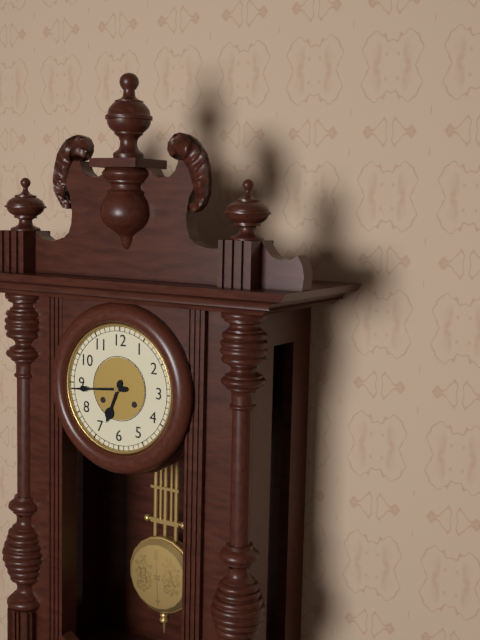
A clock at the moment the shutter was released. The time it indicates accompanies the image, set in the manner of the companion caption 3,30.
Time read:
6,44
